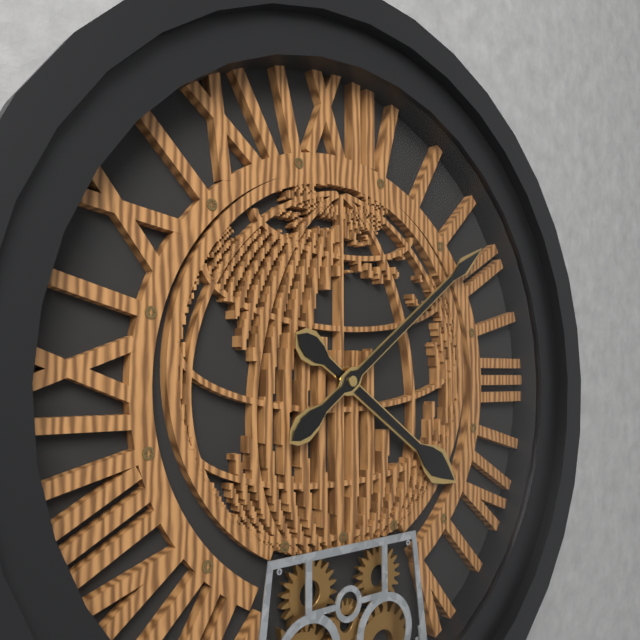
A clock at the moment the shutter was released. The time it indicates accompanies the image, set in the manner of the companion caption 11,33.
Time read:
4,09
